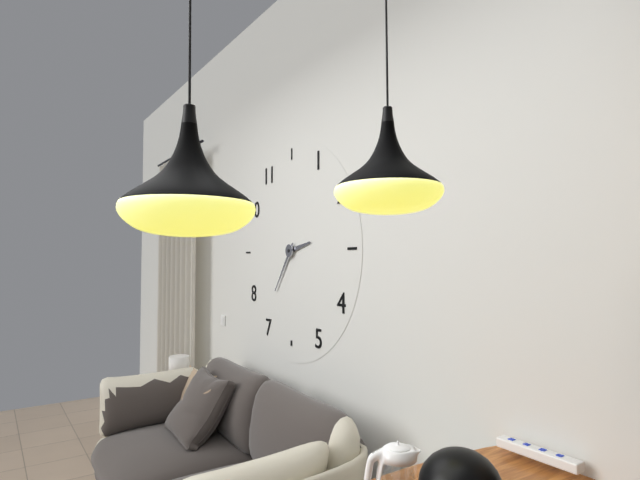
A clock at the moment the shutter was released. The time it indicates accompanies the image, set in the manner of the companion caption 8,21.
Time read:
2,36
